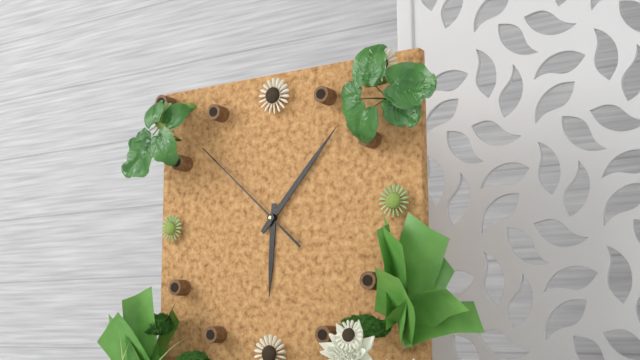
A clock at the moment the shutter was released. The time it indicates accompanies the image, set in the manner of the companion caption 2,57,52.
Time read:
6,07,52
